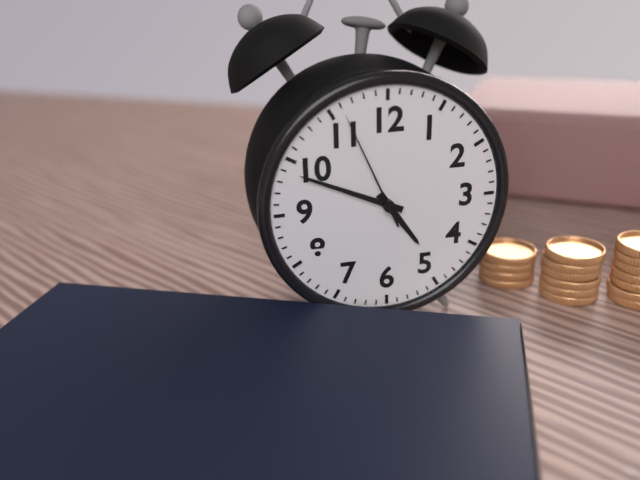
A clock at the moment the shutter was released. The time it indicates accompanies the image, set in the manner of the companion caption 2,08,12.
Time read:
4,49,56
